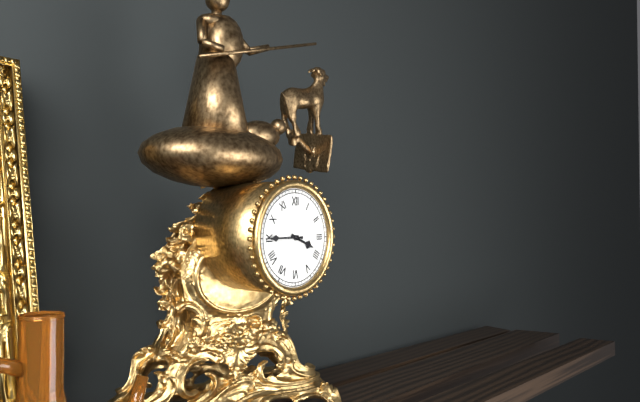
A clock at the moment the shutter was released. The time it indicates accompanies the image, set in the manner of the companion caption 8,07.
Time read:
3,45
